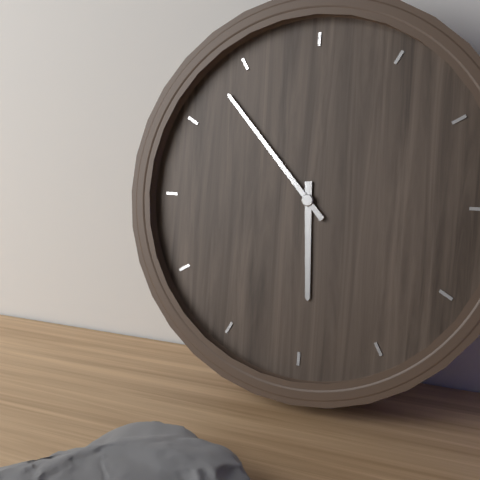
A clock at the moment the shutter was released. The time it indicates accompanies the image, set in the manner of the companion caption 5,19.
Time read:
5,53
